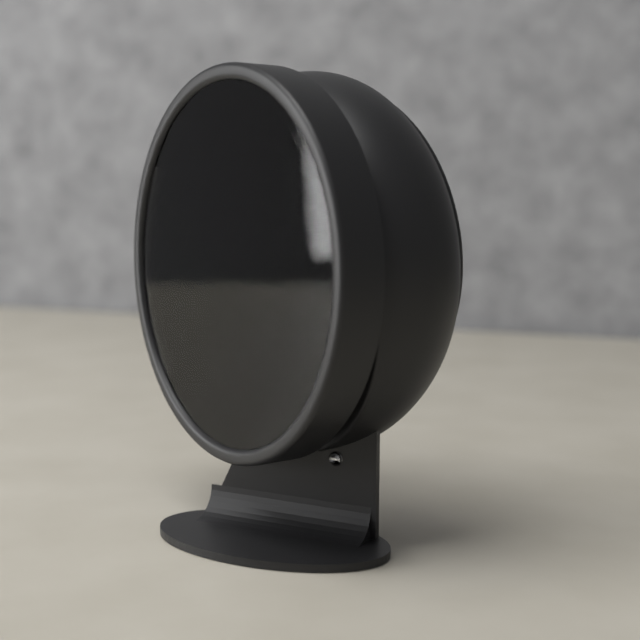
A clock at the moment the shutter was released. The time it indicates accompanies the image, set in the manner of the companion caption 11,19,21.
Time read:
11,20,15
